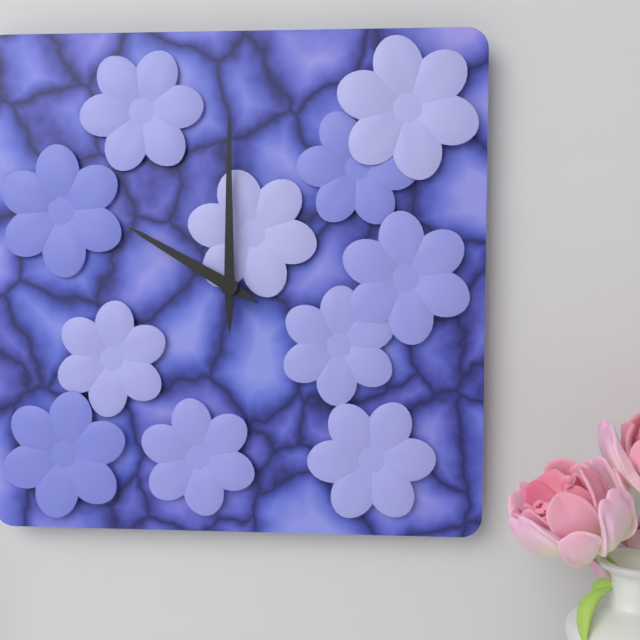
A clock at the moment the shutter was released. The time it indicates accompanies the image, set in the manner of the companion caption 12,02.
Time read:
10,00
